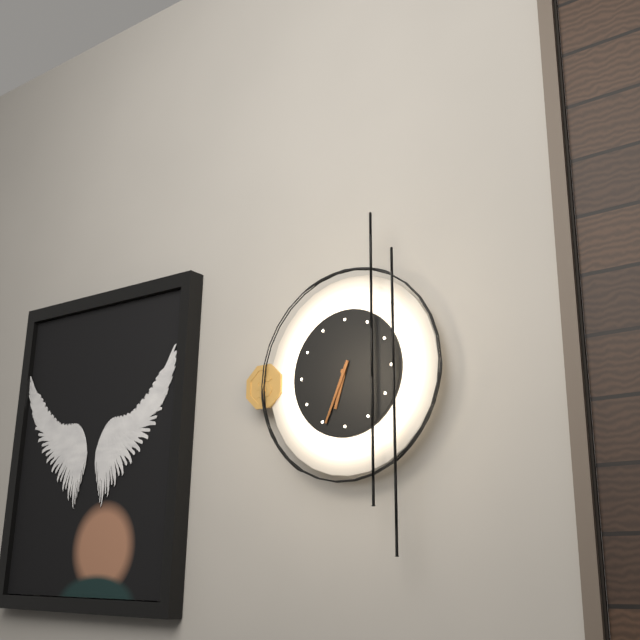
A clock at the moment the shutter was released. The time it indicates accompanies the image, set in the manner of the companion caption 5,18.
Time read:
6,34
